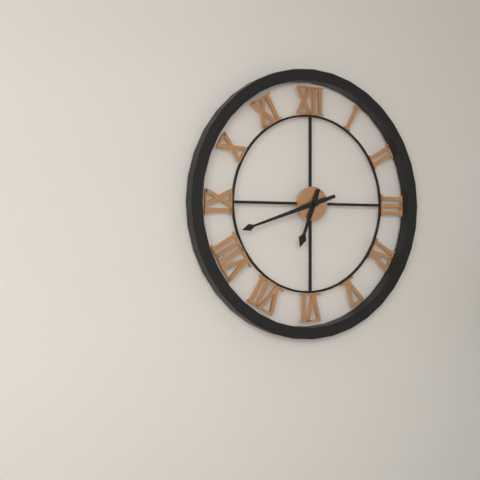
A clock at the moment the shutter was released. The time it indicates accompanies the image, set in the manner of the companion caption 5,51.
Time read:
6,42
